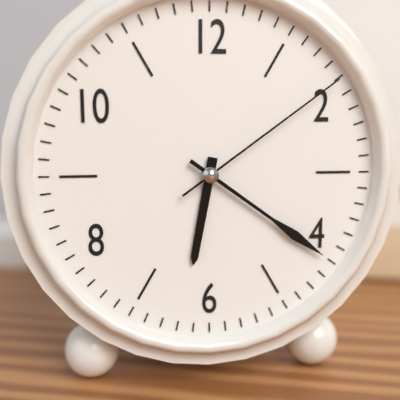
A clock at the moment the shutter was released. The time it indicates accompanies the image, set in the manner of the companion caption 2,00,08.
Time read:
6,21,09
